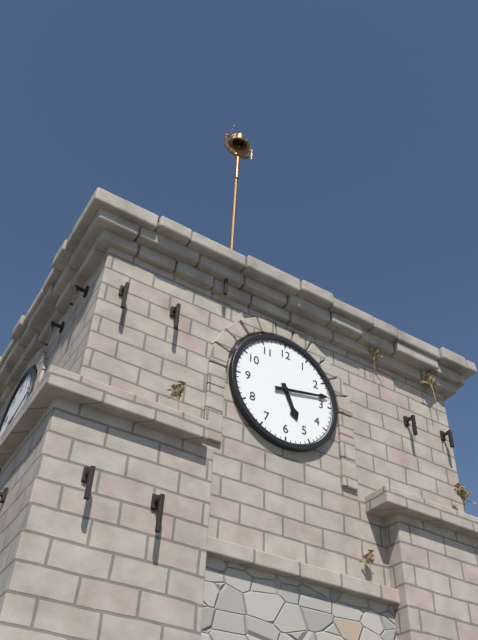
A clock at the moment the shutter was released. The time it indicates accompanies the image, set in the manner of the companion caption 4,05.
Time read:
5,13
